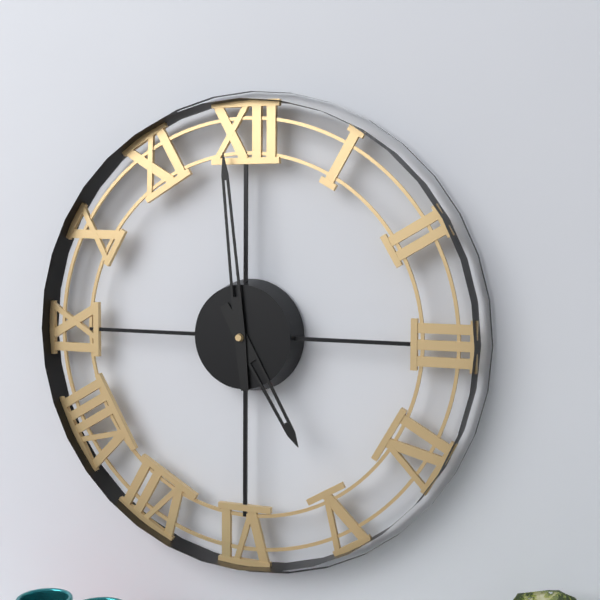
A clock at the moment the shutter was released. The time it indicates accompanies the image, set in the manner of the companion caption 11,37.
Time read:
4,59
